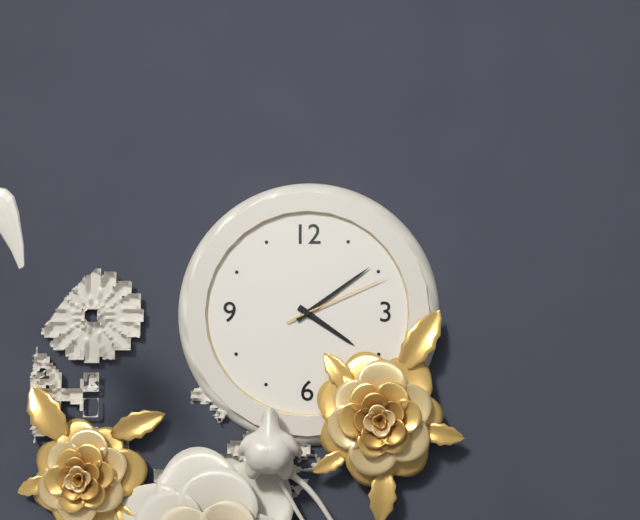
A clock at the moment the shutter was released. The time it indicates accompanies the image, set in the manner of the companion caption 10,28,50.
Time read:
4,09,11
